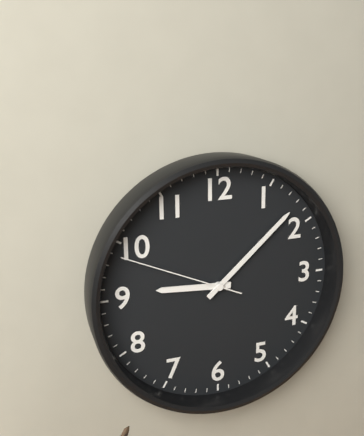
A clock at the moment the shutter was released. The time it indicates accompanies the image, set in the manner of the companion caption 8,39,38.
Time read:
9,08,49
